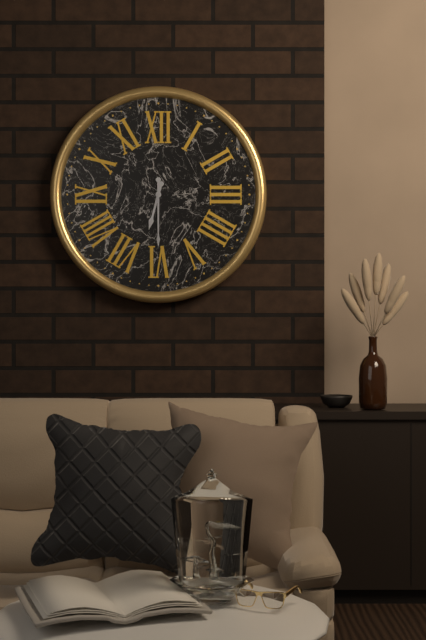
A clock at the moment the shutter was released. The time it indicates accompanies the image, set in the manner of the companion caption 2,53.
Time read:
6,30
